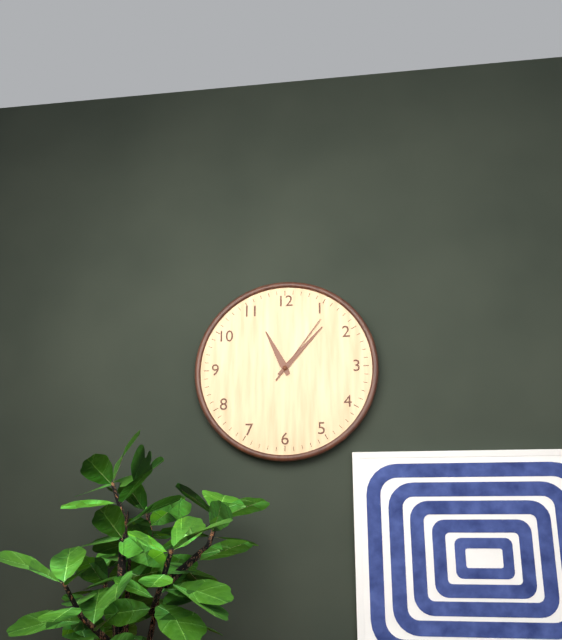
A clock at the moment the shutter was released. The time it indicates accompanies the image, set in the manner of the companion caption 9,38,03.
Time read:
11,07,06
